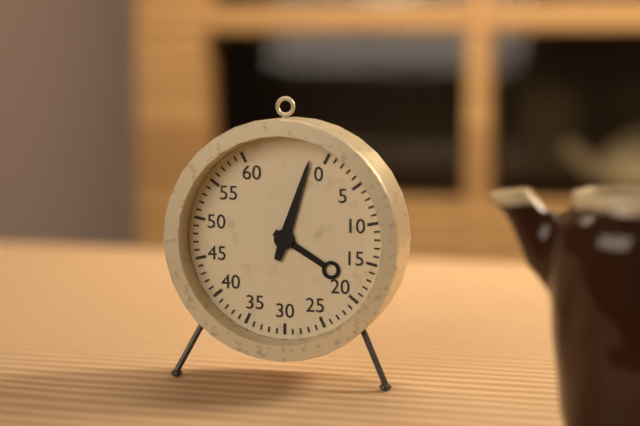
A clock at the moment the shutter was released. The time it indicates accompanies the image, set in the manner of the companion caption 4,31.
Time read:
4,03
